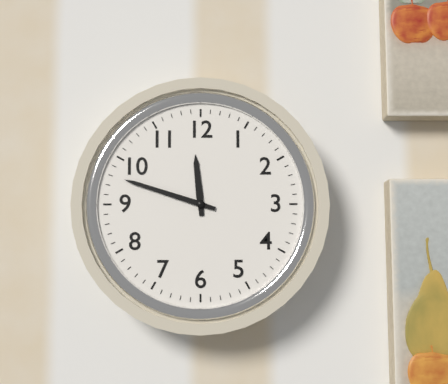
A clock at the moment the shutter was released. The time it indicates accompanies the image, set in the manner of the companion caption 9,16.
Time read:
11,48
